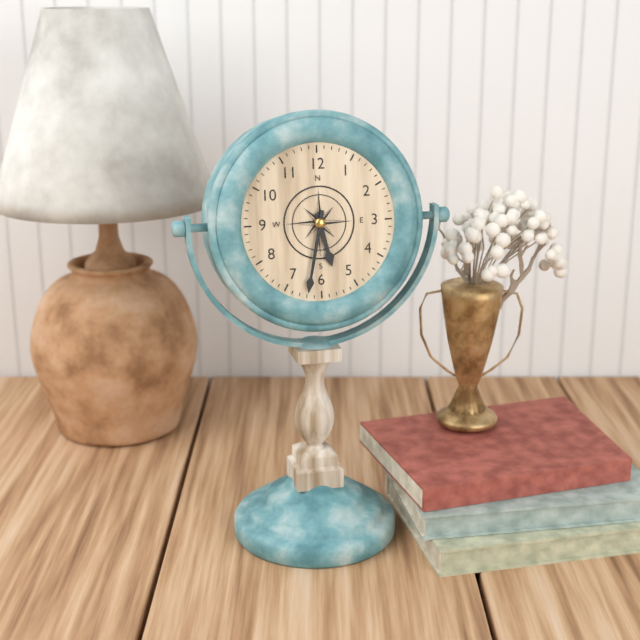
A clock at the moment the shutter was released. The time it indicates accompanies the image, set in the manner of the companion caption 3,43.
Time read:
5,32
